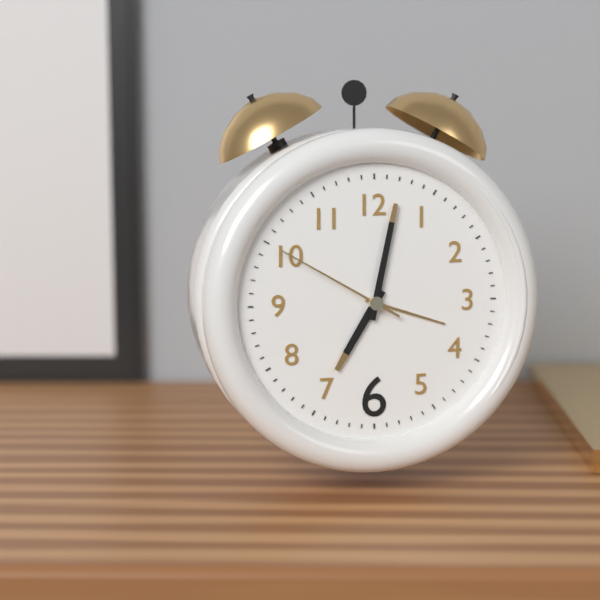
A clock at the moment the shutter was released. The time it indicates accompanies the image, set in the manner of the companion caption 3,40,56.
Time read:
7,02,50
